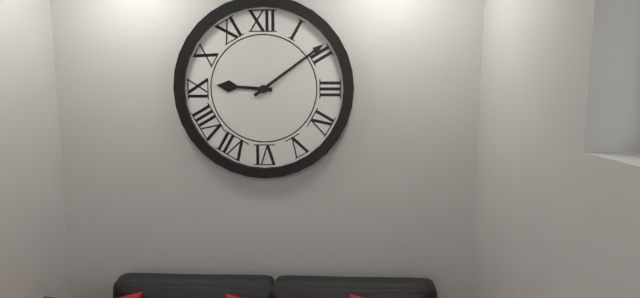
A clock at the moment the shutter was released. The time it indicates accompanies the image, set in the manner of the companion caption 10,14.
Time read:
9,09
